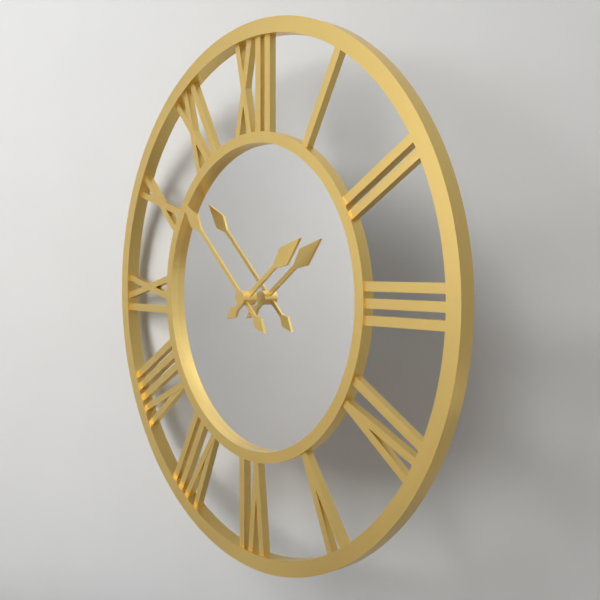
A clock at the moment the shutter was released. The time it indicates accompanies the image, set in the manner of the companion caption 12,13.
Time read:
1,52
